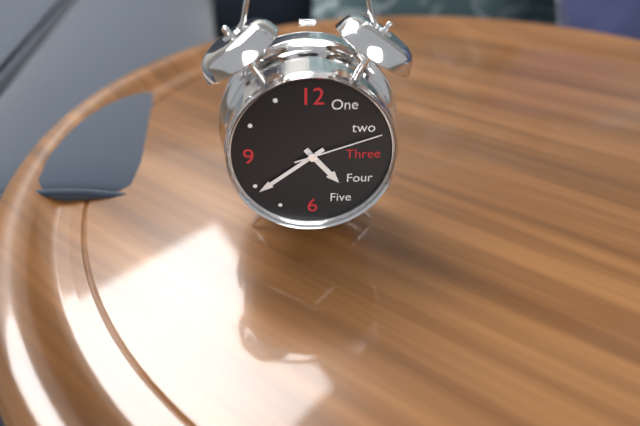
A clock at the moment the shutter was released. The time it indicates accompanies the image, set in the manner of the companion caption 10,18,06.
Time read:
4,39,12
